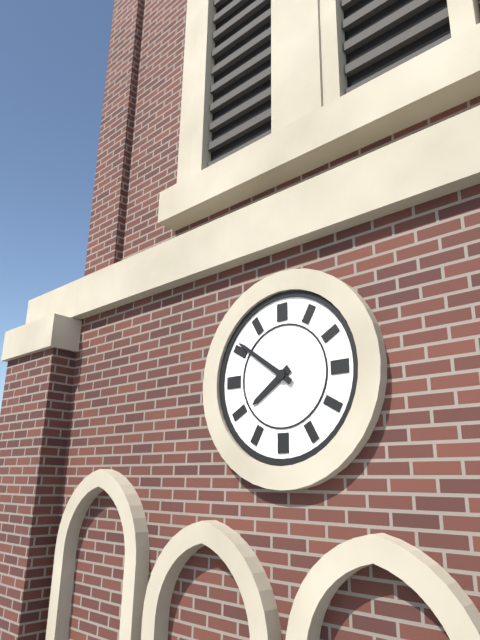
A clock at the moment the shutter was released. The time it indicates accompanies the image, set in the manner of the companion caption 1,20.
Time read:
7,51
